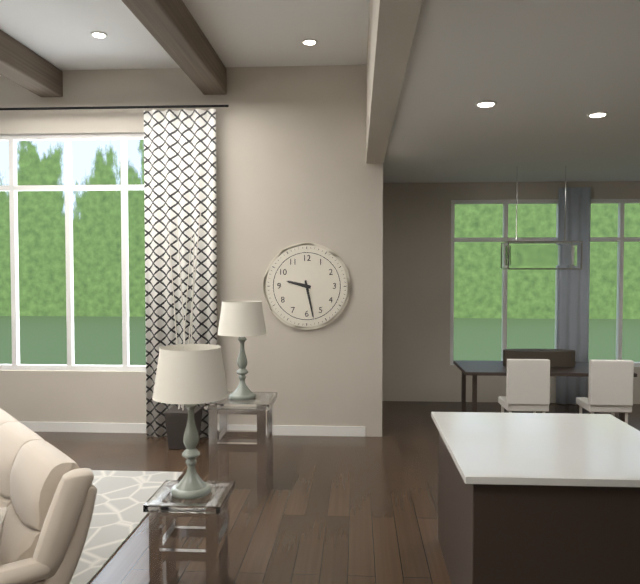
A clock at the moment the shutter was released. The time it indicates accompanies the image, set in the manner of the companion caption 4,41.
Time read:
9,28
